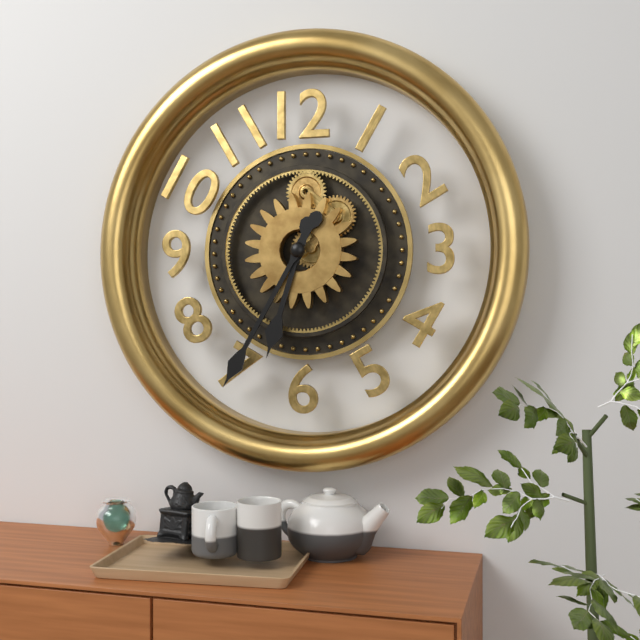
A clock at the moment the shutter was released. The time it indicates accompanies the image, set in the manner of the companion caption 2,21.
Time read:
6,35
